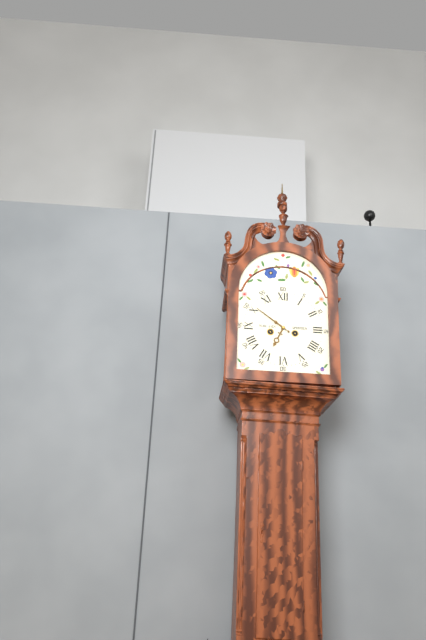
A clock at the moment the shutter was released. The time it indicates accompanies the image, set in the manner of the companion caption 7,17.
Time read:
6,51
